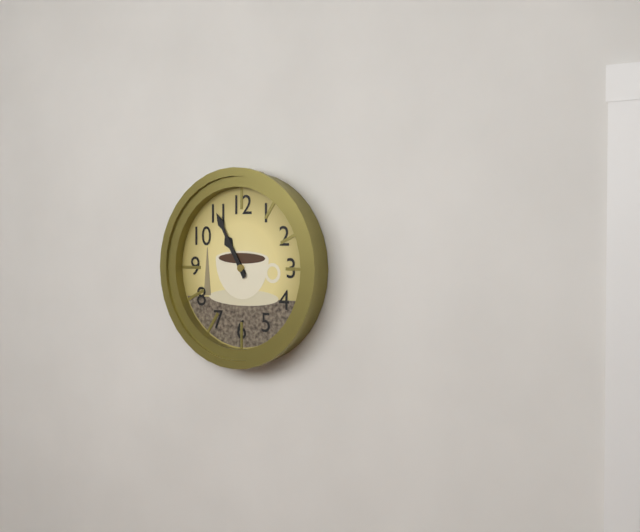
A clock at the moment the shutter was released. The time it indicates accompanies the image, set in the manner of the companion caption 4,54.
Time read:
10,55
